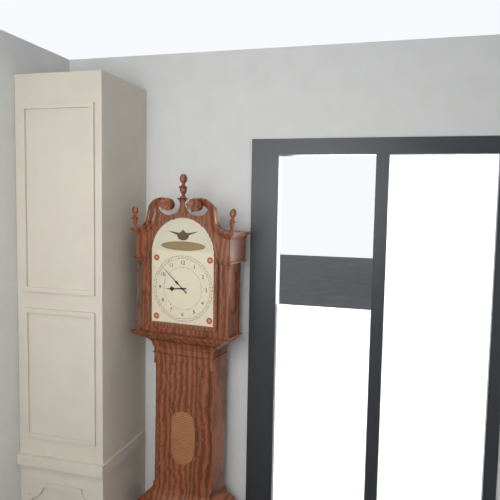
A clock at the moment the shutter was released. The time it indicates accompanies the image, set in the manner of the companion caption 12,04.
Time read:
8,52
